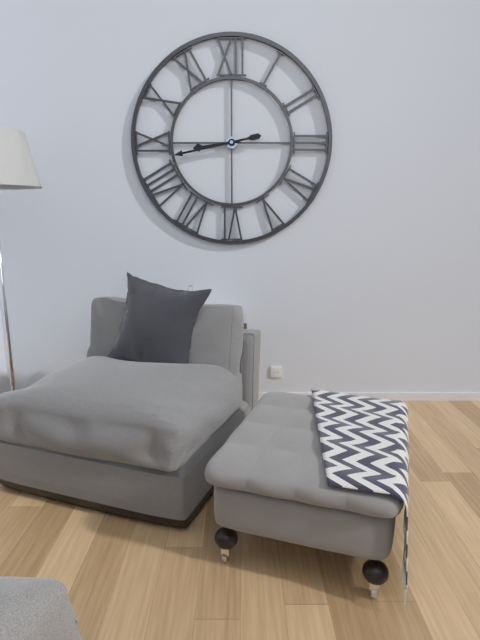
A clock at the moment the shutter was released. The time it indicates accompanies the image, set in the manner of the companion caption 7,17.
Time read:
8,43
